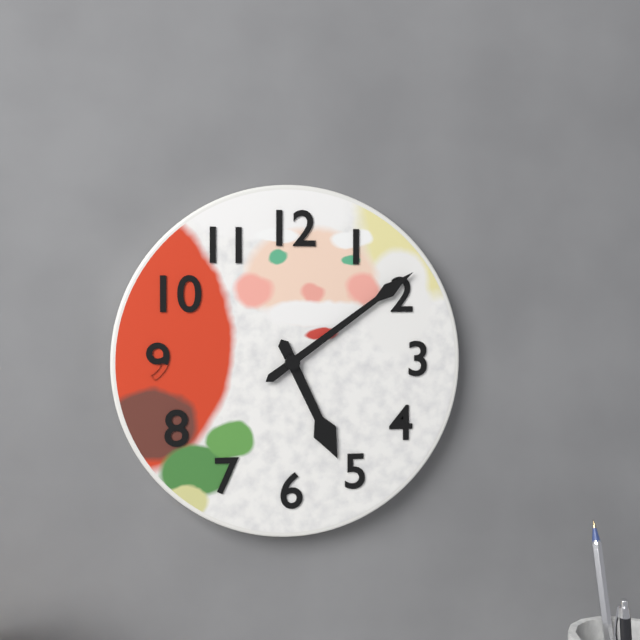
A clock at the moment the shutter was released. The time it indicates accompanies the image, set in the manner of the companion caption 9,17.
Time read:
5,09
